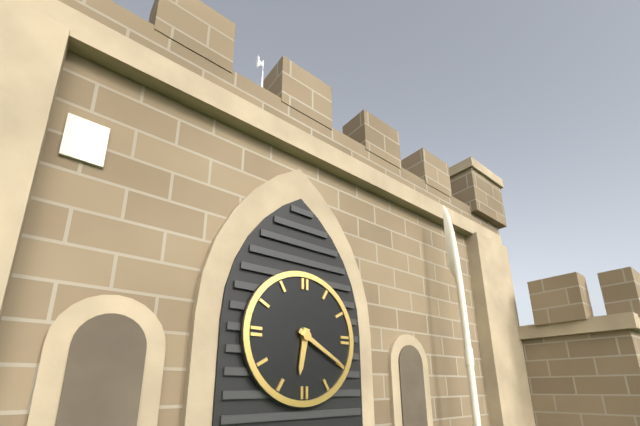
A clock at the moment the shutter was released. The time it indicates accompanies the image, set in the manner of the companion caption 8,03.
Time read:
6,20
